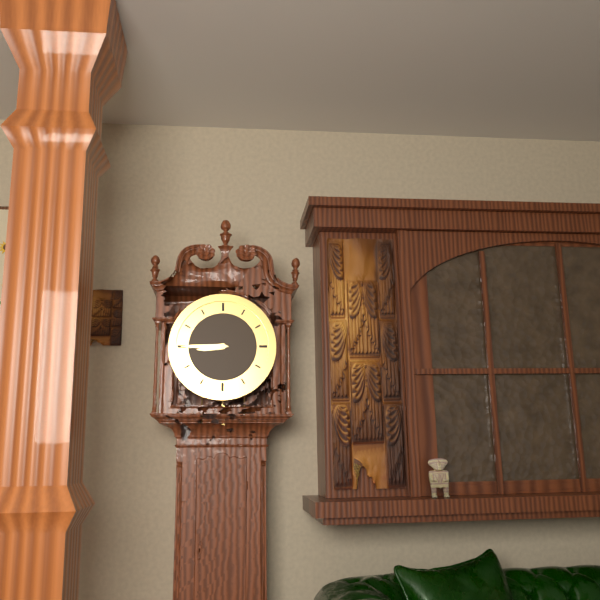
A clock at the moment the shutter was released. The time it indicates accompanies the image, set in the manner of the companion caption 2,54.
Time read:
8,45
